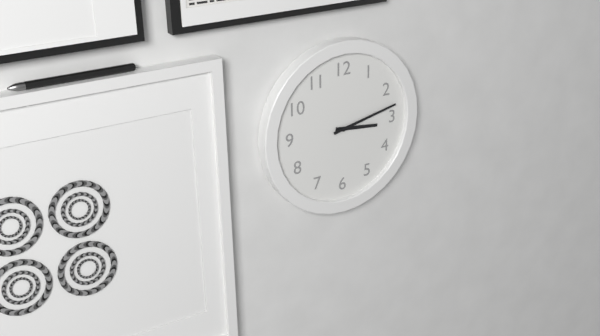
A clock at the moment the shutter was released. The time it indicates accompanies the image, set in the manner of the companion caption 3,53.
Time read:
3,13
